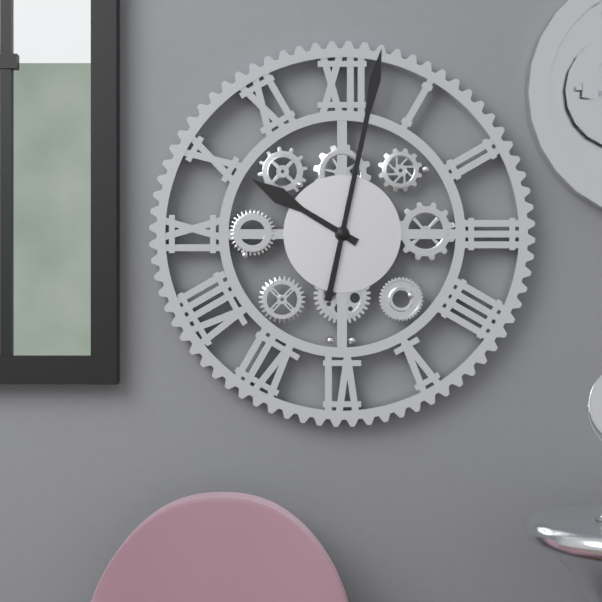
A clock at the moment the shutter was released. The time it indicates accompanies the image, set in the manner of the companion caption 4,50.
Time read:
10,02
